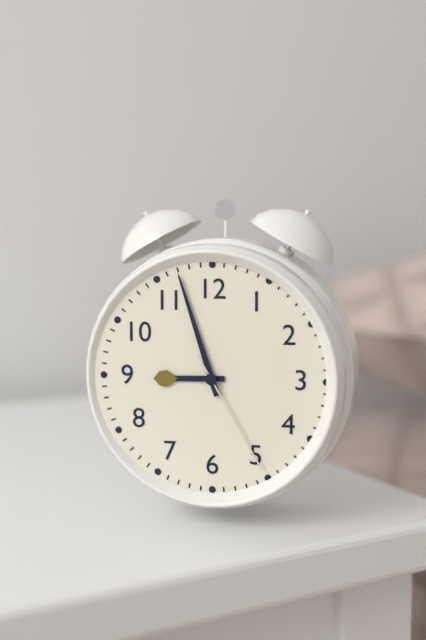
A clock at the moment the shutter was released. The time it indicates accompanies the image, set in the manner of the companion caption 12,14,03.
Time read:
8,57,25
